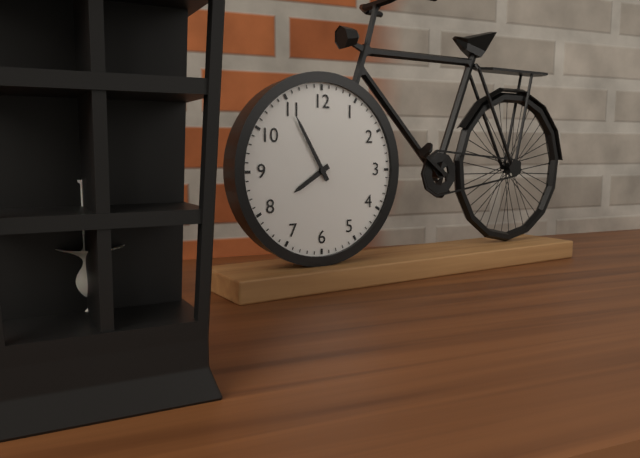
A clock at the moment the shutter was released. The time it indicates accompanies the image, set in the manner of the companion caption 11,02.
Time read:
7,55
